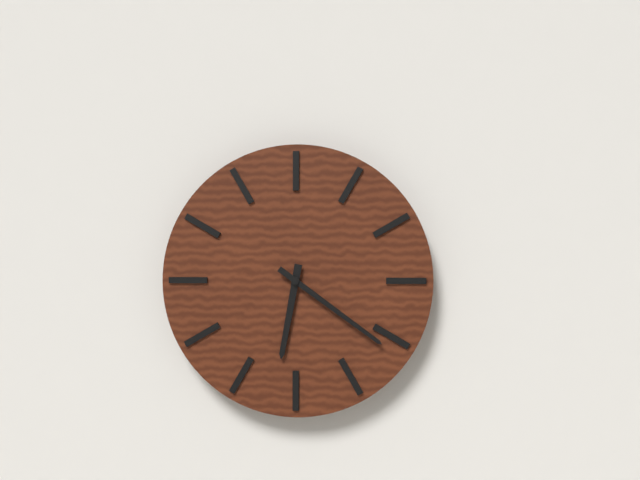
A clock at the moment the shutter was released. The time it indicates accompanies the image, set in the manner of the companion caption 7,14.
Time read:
6,21
